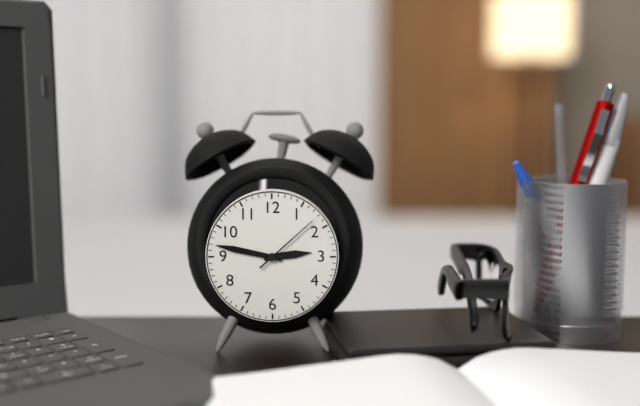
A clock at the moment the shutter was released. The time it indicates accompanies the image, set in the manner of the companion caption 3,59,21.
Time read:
2,47,08
